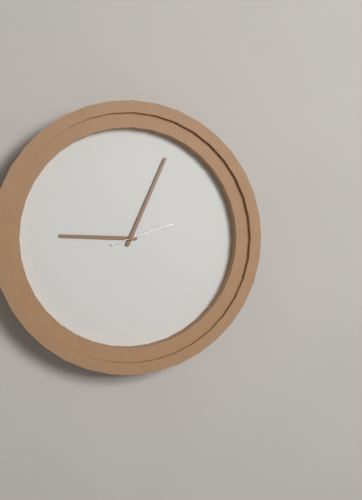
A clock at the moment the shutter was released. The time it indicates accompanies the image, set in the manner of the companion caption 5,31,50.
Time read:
9,04,12
